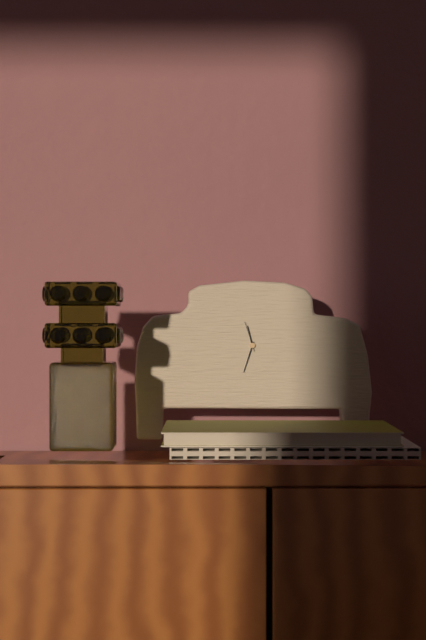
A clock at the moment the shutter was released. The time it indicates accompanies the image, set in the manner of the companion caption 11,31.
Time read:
11,33
